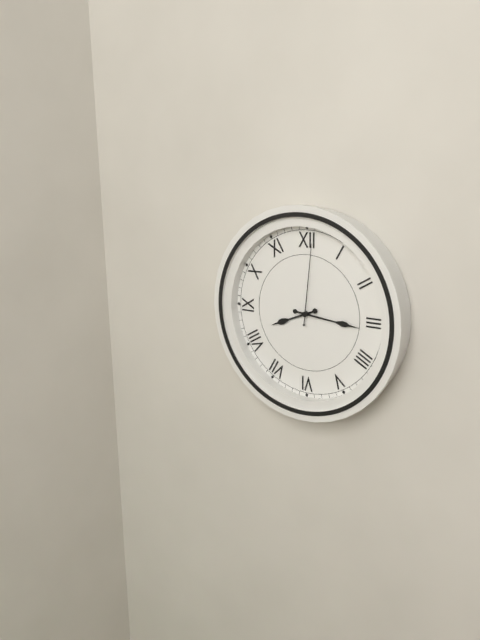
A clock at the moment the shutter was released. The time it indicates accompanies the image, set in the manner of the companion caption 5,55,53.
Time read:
8,16,01
